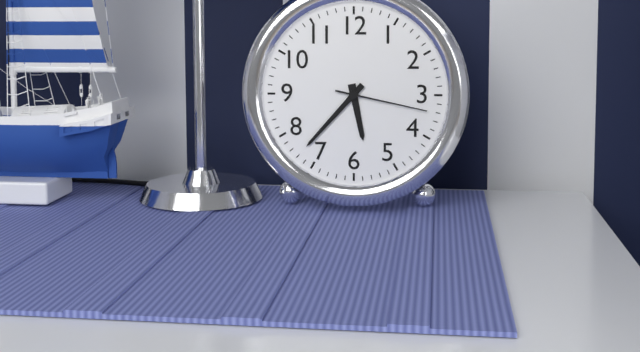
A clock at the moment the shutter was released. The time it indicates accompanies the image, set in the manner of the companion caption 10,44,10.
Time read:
5,37,17
